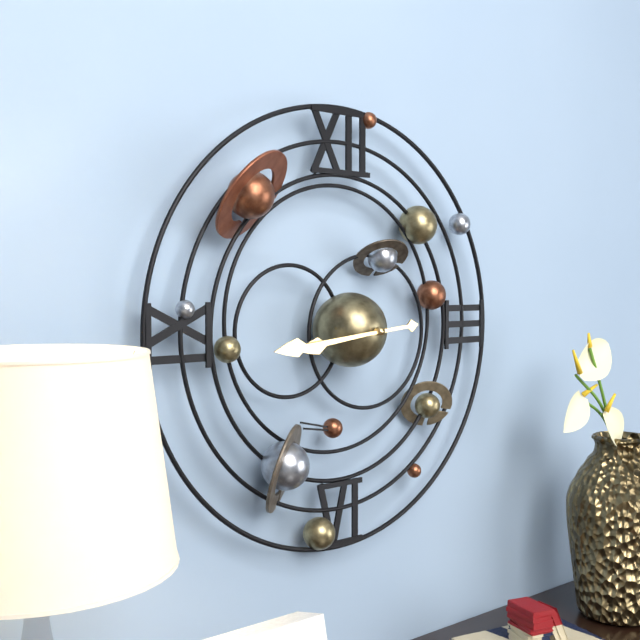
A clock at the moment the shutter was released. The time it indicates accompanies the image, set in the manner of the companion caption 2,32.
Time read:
8,44
